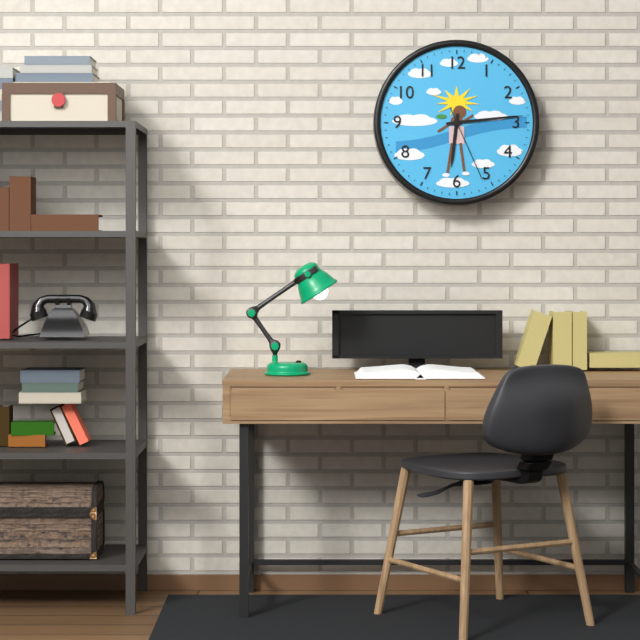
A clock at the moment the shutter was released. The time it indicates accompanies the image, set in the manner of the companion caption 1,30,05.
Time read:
6,14,26
